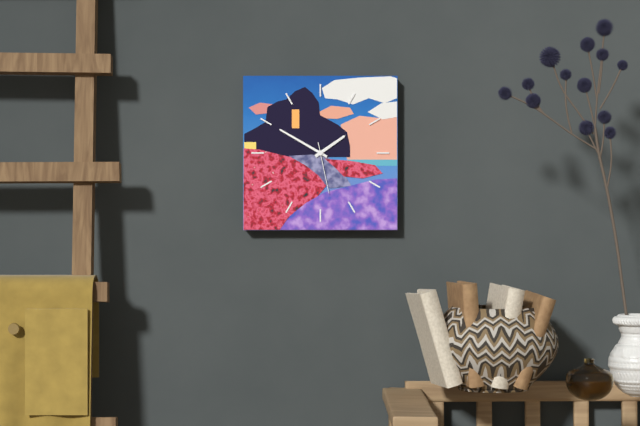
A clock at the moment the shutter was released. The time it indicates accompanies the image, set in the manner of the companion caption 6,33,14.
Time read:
1,50,28
